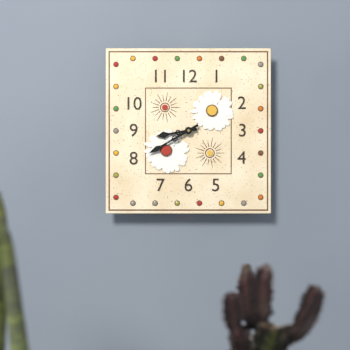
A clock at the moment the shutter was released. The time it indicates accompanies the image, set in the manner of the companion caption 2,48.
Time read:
8,40
